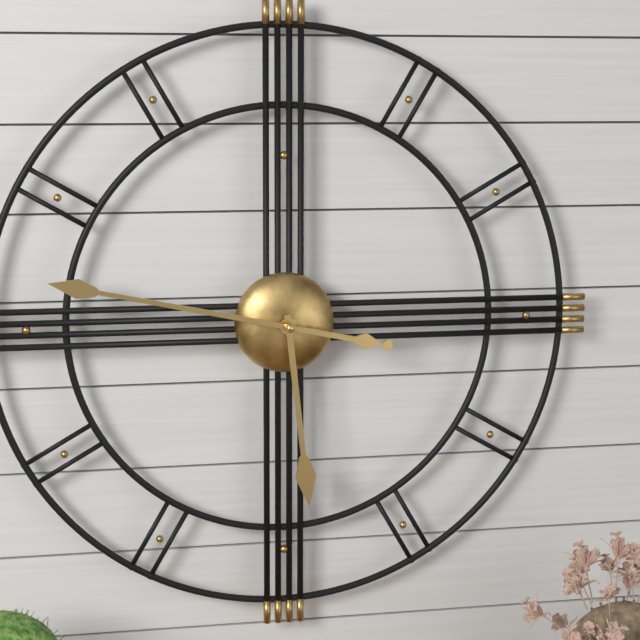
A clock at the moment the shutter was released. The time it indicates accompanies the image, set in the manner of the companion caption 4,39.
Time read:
5,47
